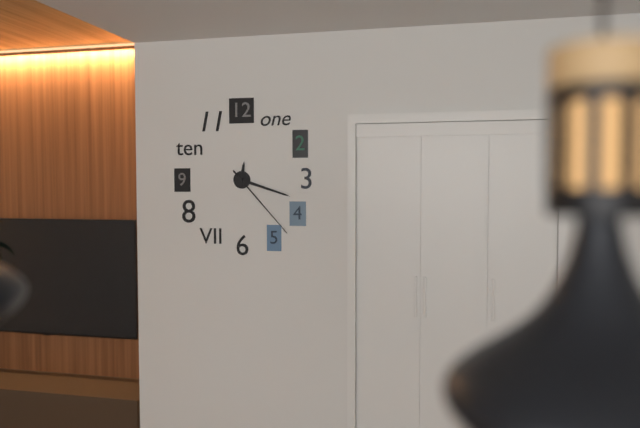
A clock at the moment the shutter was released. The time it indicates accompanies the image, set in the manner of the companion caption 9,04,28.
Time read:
12,18,23
